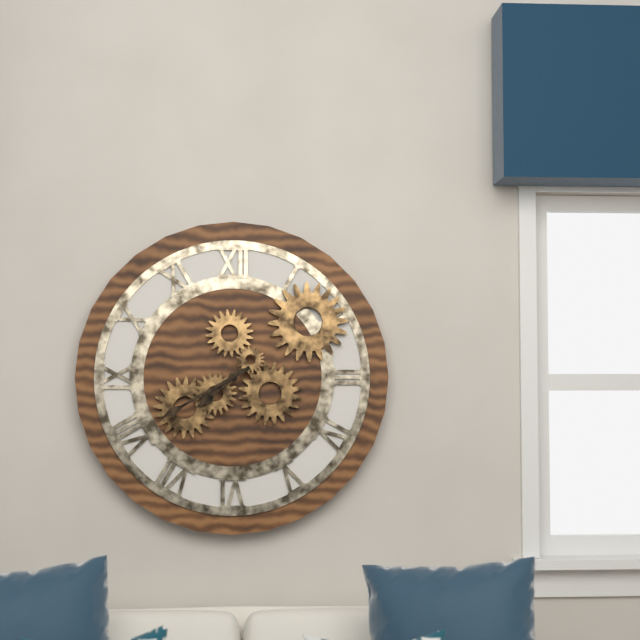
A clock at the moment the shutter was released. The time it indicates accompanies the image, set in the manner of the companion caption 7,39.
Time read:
7,40
